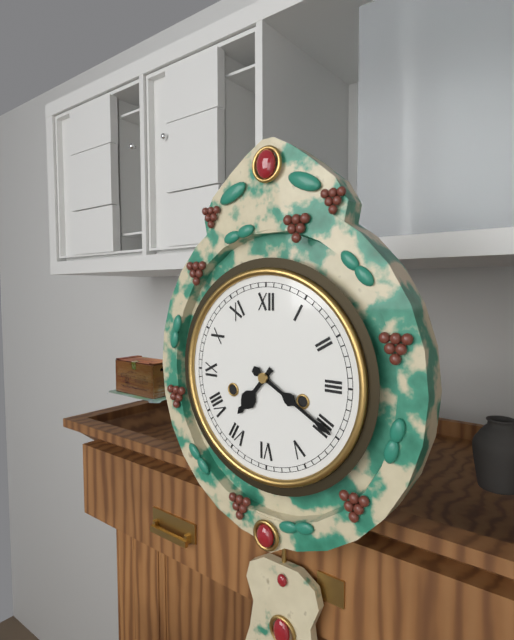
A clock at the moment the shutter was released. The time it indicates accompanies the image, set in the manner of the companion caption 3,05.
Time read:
7,20
